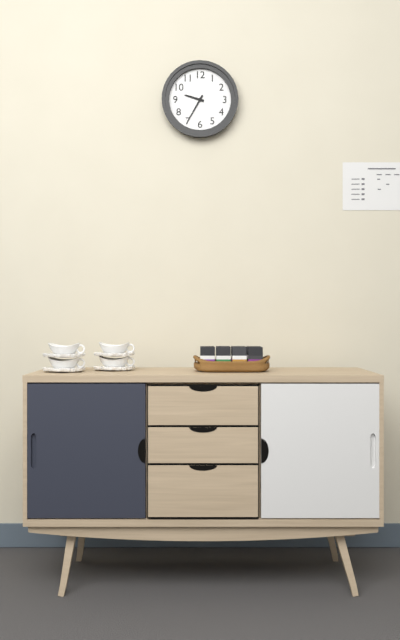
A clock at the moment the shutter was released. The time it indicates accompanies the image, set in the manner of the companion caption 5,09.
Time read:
9,35
